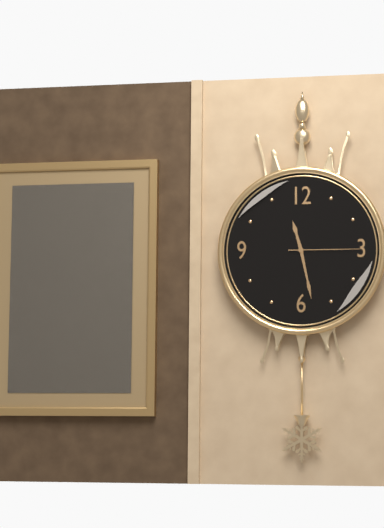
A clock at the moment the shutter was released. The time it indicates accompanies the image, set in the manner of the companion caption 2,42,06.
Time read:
11,28,15
